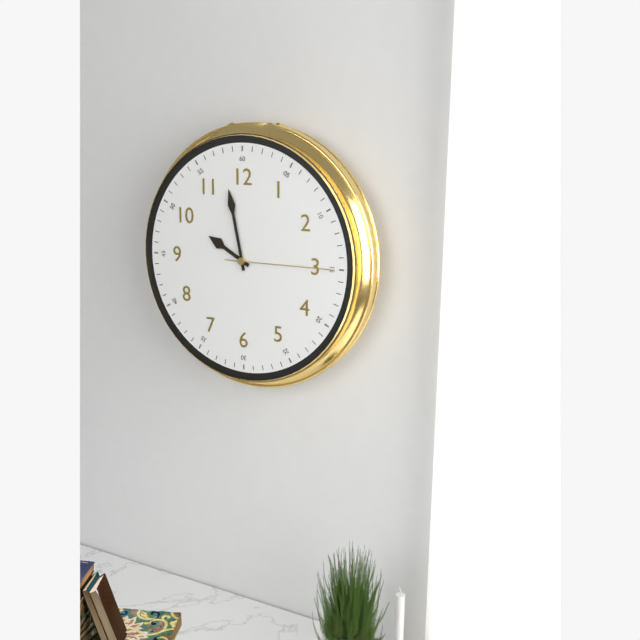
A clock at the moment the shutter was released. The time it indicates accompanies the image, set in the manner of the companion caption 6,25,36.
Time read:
9,58,15
